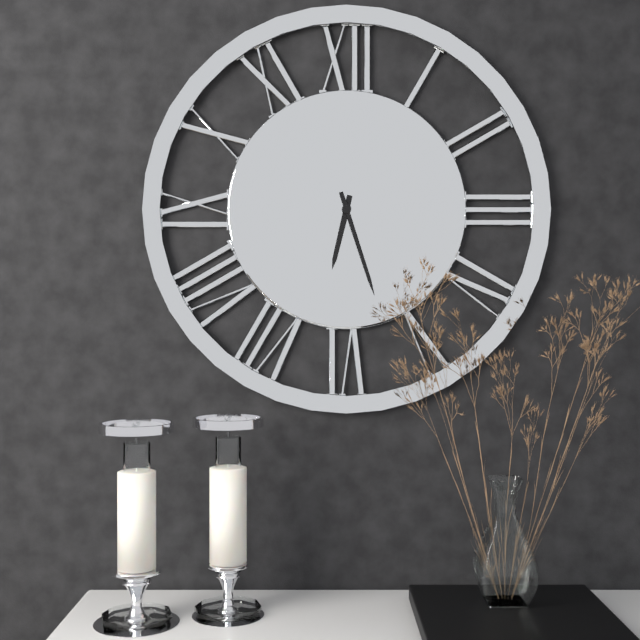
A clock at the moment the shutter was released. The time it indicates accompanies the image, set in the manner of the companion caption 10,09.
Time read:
6,27
